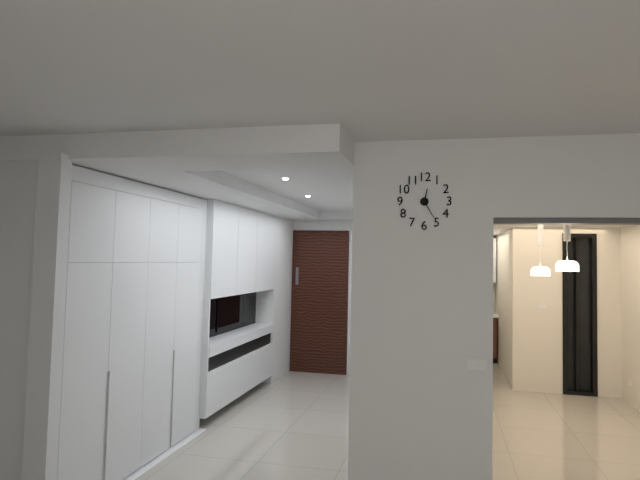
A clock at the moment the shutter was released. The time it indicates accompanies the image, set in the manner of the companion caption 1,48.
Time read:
12,25
